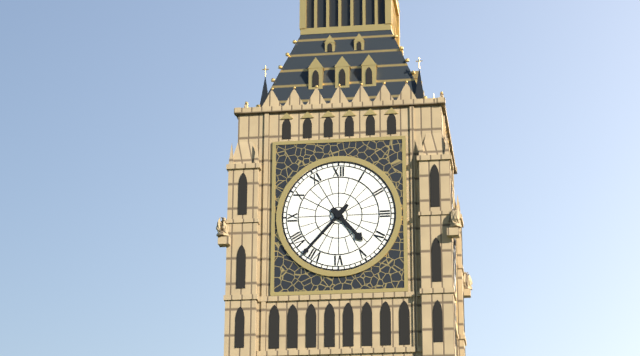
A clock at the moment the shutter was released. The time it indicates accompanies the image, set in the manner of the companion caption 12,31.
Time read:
4,37
